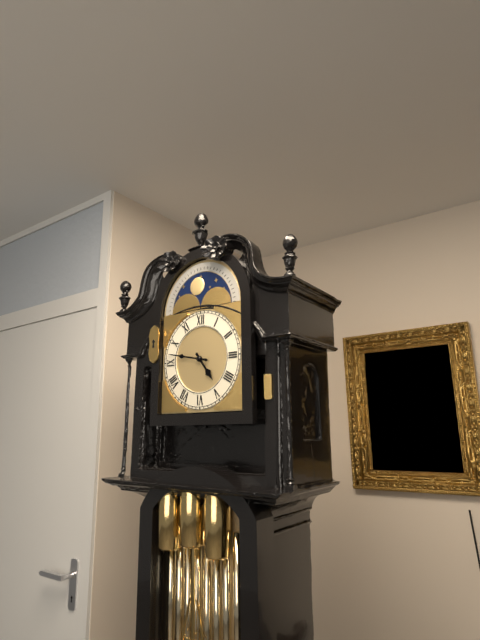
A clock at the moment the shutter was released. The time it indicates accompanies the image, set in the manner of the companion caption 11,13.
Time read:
4,47
